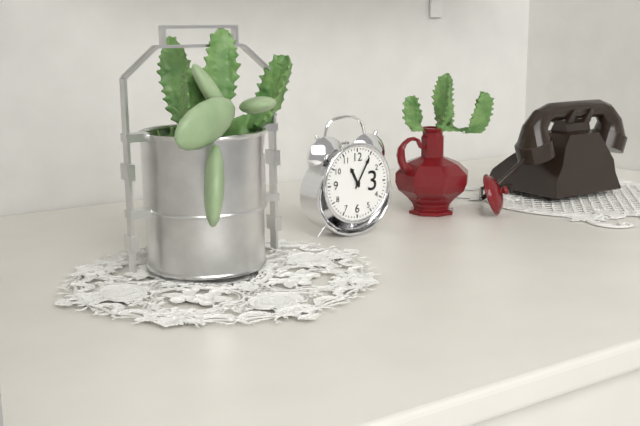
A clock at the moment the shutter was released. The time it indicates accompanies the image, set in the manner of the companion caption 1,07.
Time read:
11,05
